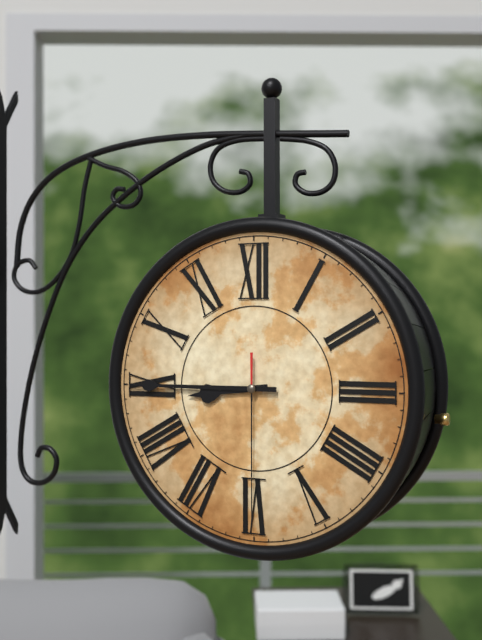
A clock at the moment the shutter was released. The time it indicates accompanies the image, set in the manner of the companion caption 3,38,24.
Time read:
8,45,30
